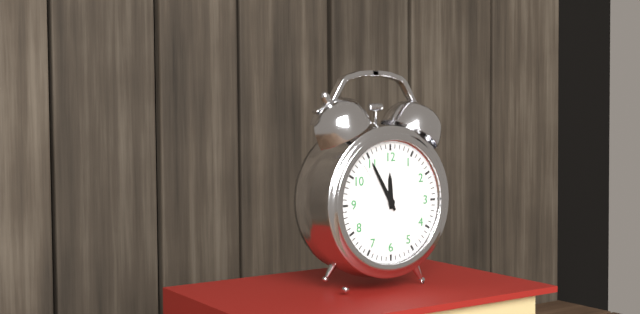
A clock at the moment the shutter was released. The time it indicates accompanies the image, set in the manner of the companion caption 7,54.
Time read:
11,55
